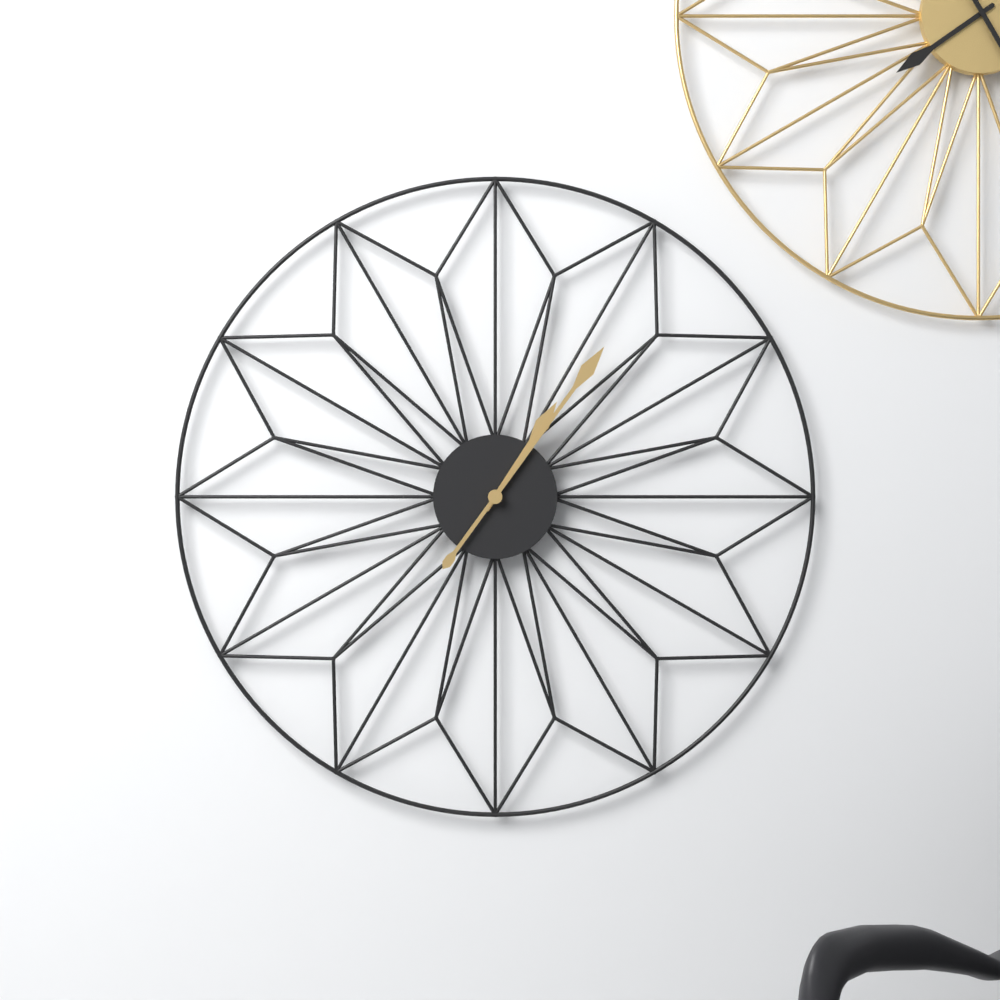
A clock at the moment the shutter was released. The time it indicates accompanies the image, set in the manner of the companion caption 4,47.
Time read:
1,06
